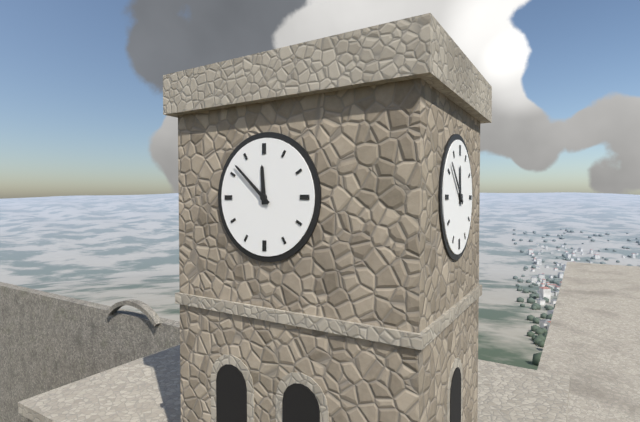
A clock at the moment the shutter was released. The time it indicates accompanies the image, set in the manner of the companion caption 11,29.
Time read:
11,52
